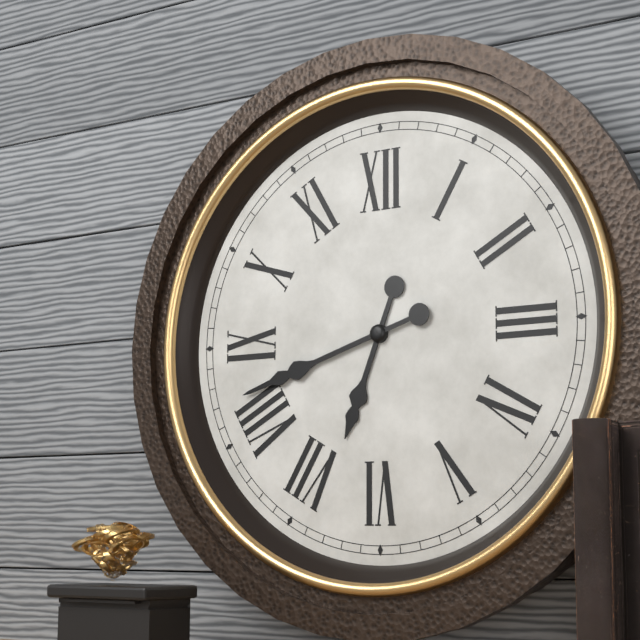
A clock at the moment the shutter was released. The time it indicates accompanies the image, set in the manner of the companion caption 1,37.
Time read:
6,42
